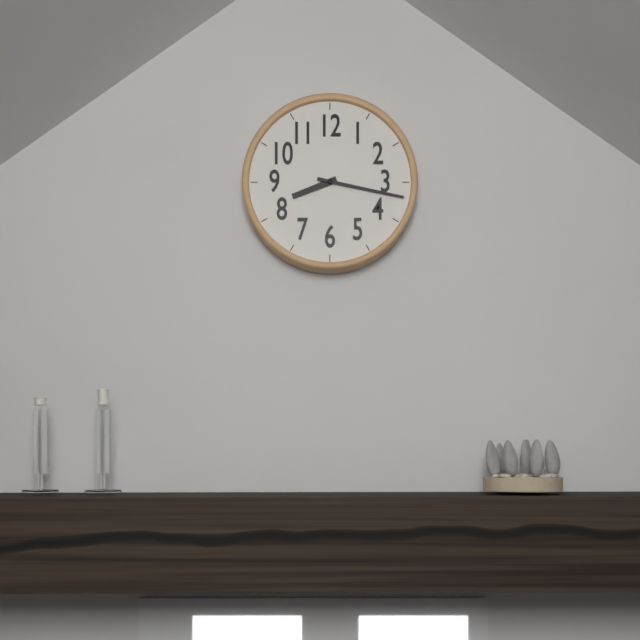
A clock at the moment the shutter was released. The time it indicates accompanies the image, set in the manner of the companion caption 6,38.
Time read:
8,17
